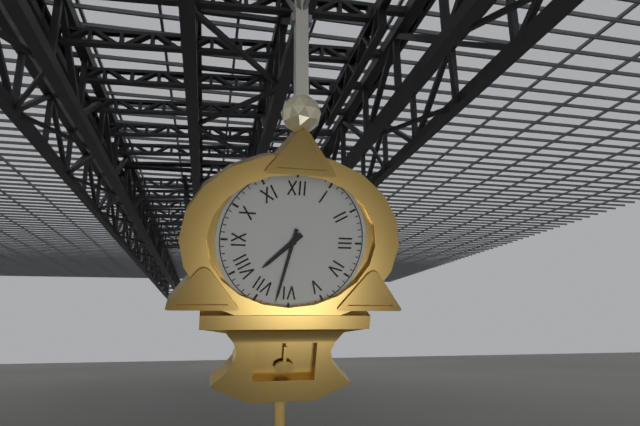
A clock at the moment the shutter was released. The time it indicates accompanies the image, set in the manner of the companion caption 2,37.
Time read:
7,32
